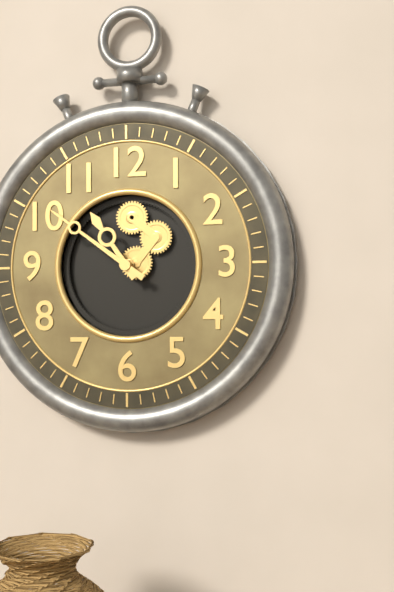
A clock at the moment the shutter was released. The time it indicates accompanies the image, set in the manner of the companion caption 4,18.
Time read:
10,51
